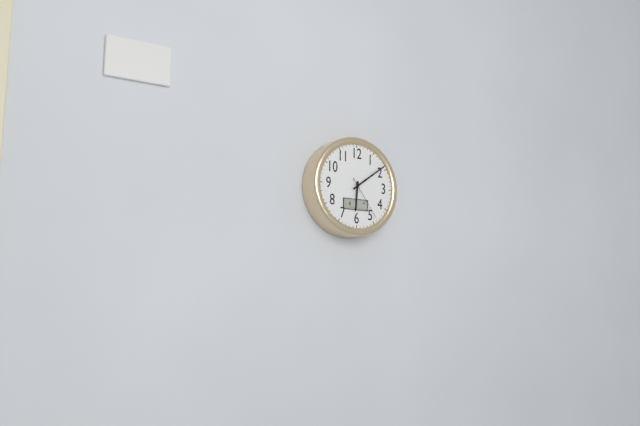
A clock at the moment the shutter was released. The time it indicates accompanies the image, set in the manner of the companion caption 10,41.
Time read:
6,09
